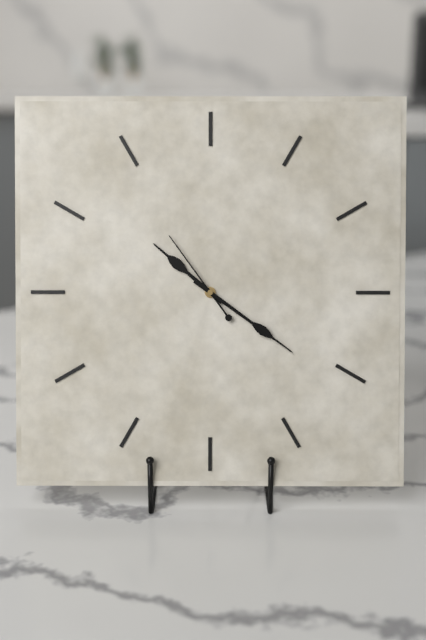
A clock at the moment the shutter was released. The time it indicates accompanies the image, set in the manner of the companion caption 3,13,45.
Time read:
10,21,54
